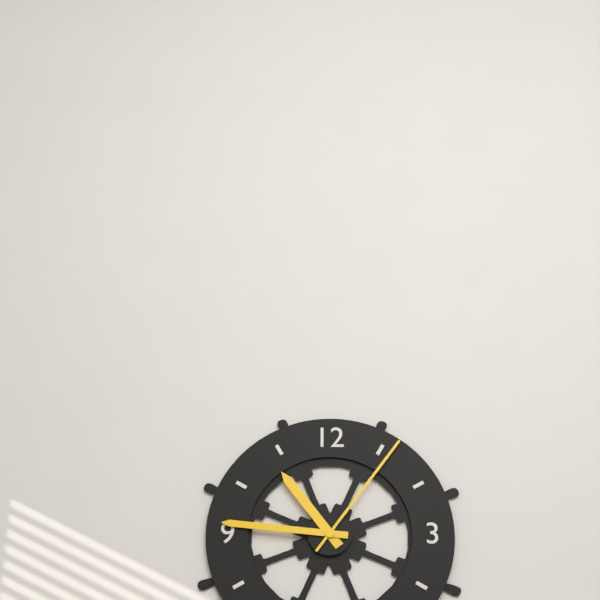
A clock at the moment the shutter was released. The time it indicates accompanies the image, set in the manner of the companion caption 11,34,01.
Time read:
10,46,06
